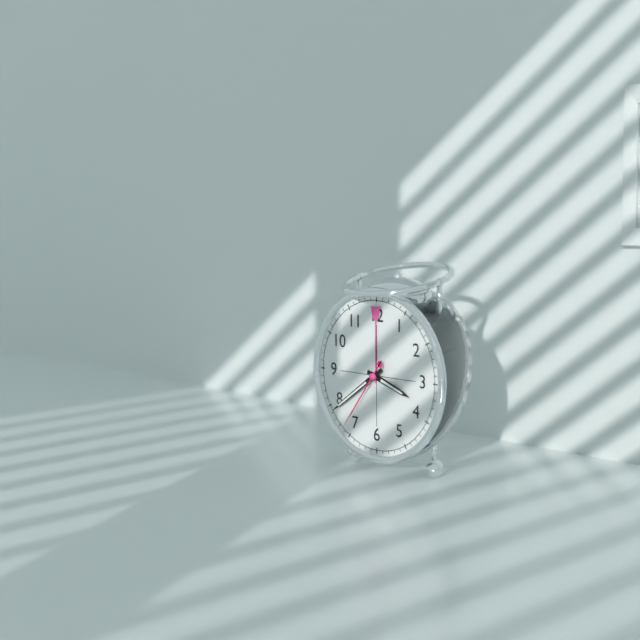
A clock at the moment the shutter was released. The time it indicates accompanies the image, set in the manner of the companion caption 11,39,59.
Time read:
3,39,36
